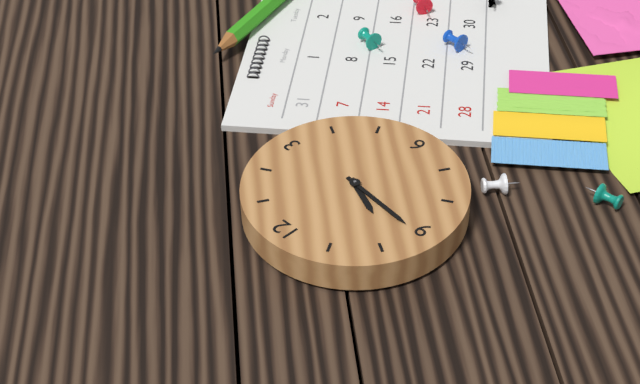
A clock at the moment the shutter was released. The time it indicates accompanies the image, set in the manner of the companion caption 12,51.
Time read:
9,46
